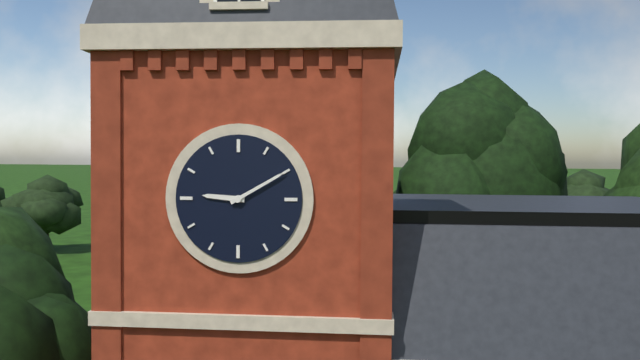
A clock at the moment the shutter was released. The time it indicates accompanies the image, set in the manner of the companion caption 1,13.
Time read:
9,10
